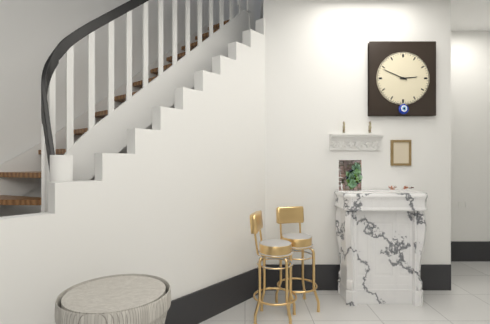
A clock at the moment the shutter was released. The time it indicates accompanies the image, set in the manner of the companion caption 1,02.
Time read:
2,49
